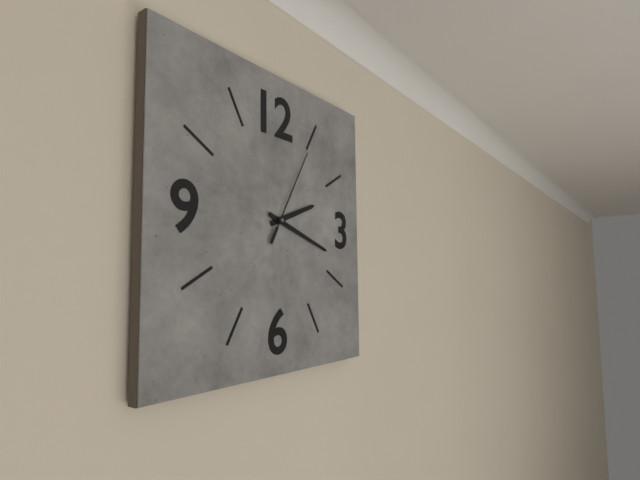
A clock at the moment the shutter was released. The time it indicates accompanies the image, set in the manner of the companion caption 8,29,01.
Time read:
2,18,05
